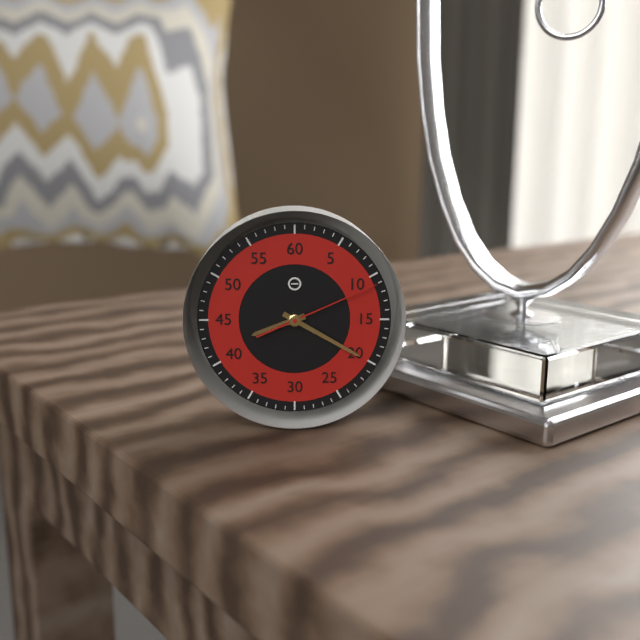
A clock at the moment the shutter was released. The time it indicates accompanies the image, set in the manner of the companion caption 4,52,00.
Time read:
8,20,11
